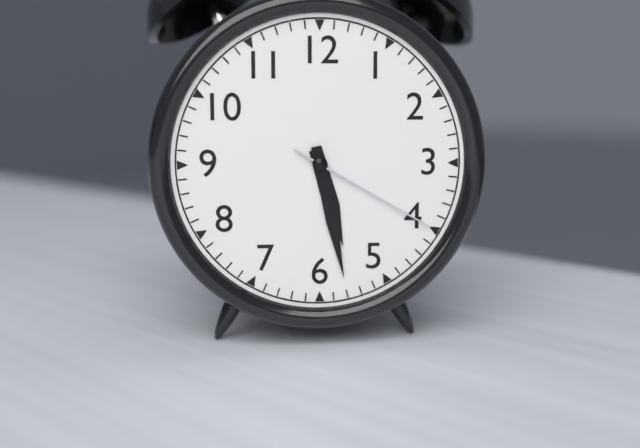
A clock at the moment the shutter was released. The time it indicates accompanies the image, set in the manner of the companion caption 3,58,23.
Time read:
5,28,20
